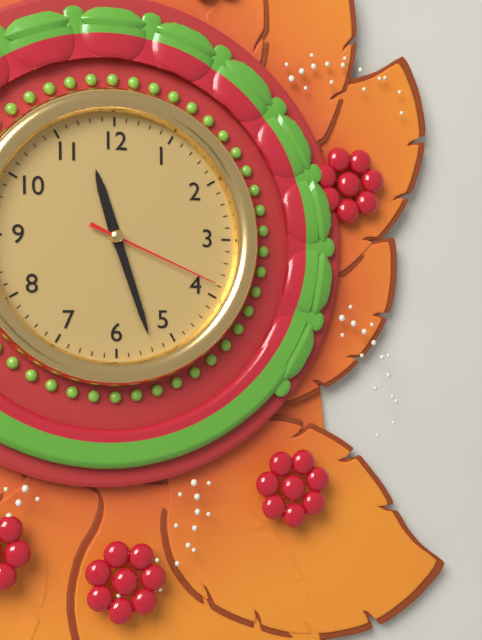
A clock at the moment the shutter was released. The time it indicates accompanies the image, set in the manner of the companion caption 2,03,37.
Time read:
11,27,19
